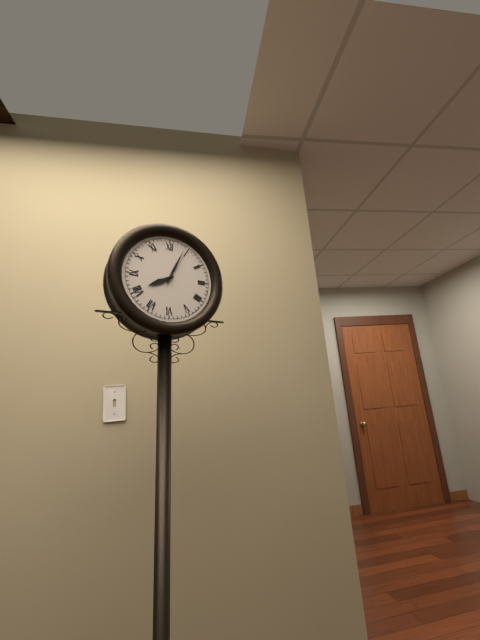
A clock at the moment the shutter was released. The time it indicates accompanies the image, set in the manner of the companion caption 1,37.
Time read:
8,04
